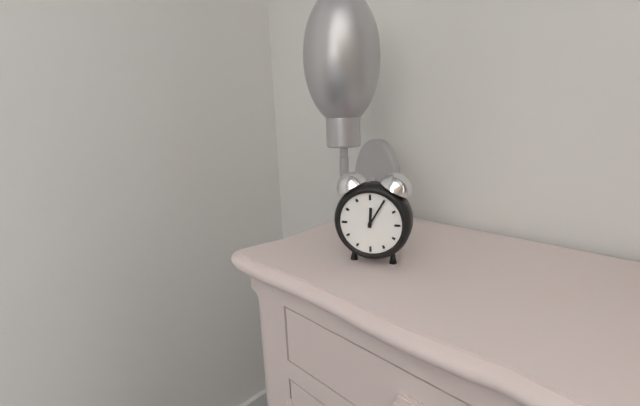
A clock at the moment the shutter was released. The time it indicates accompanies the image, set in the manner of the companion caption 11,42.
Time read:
12,05
